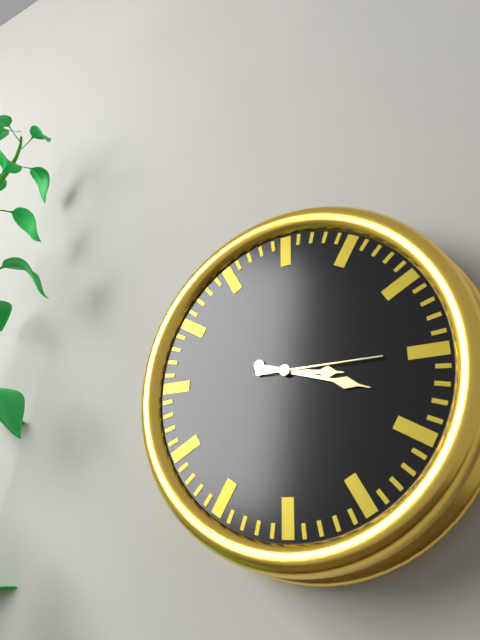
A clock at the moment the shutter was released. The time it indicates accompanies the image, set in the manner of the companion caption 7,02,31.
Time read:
3,18,15
